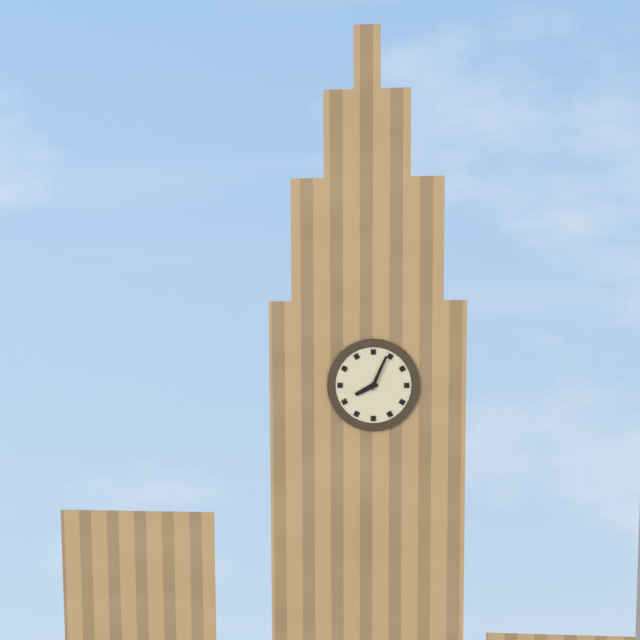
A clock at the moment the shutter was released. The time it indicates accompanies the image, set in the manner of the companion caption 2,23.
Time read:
8,04
